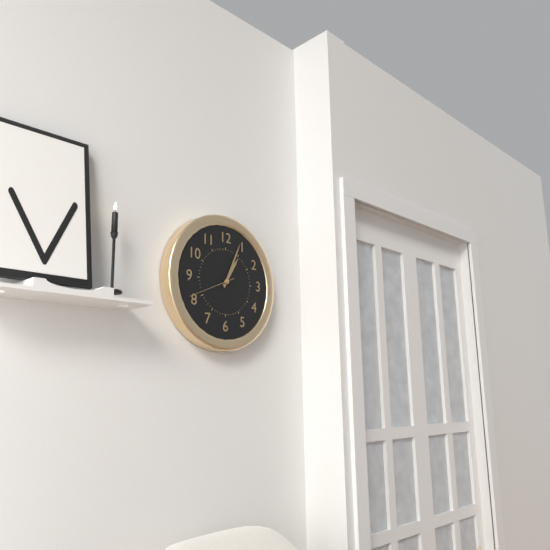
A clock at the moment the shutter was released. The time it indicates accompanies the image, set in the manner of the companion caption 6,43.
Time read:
1,04
